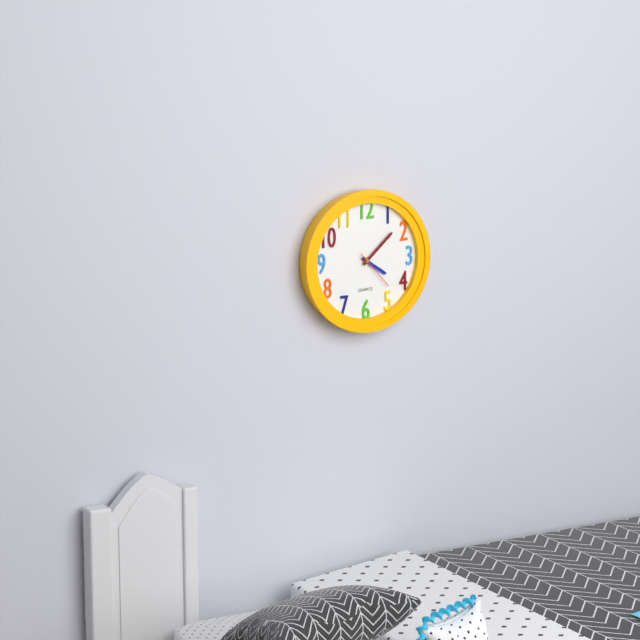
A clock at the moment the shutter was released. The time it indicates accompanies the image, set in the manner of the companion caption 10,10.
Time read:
4,08
